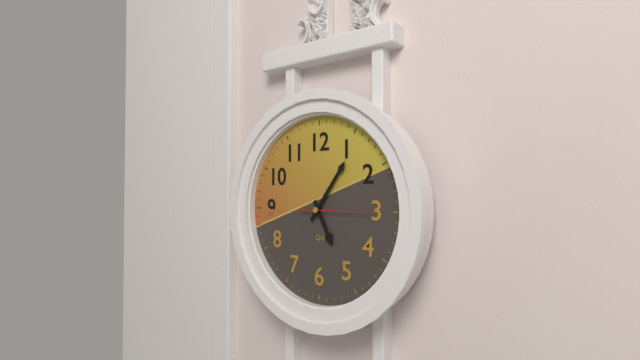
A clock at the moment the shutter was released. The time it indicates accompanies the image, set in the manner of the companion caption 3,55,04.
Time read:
5,06,15
